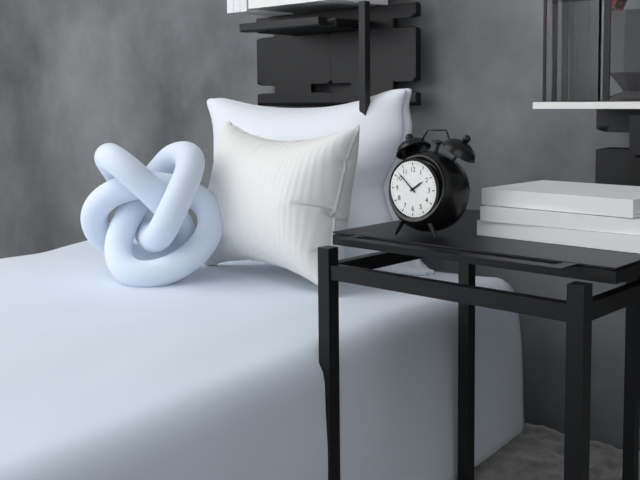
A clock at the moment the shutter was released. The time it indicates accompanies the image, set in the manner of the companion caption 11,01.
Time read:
1,52
